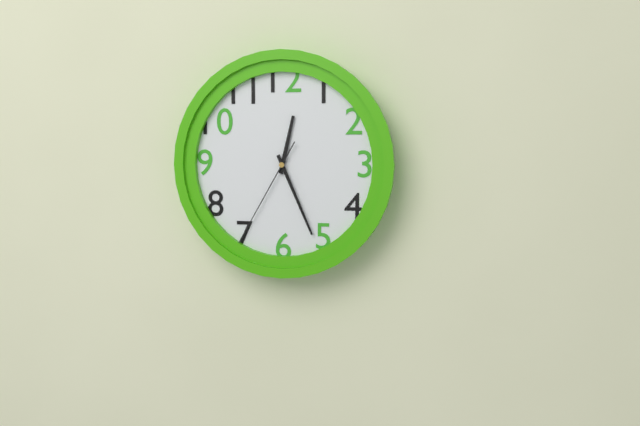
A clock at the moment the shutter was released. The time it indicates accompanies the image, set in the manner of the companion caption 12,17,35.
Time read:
12,26,35
